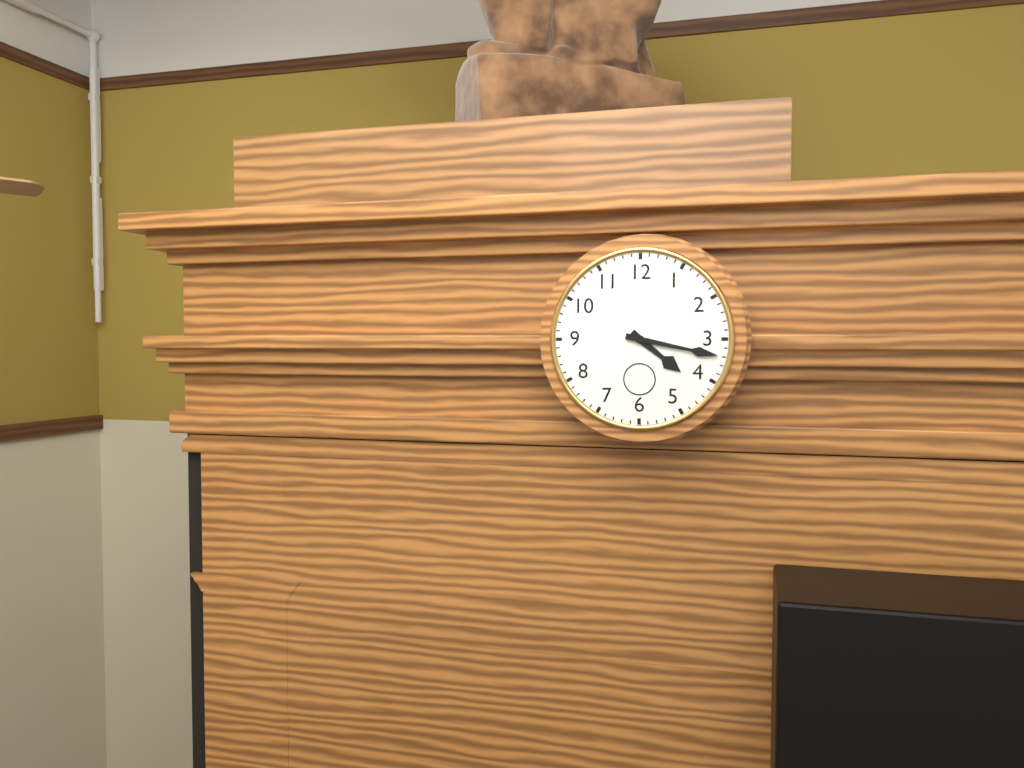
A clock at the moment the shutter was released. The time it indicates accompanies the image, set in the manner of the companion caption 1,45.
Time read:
4,17
